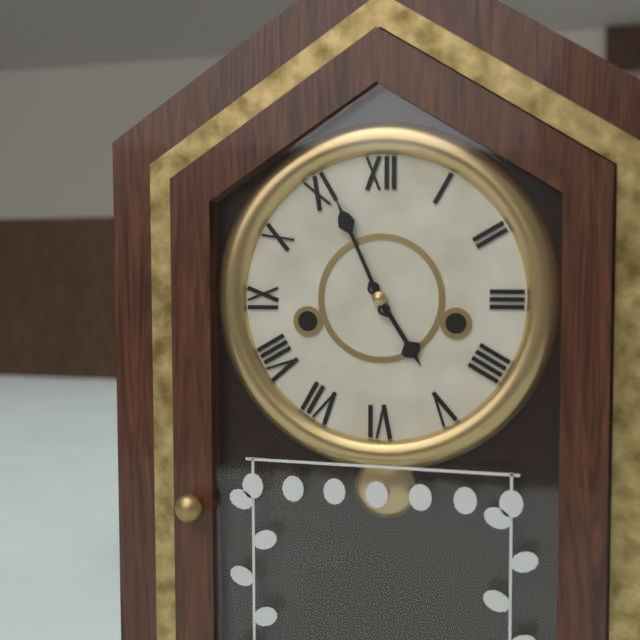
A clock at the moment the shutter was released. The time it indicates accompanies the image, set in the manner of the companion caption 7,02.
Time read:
4,56
